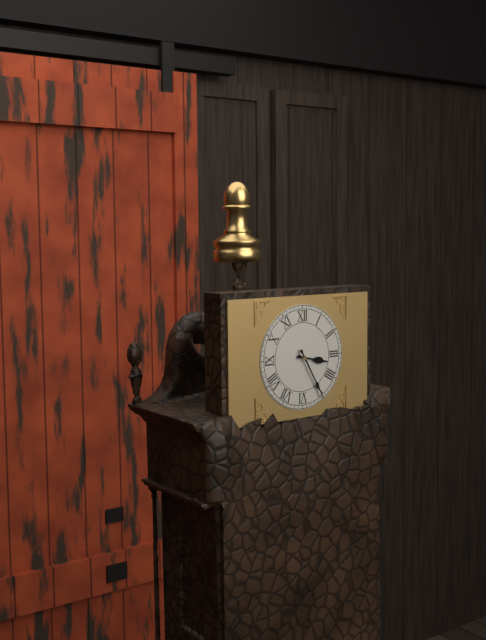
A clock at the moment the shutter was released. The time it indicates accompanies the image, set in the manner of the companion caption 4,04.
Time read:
3,25
